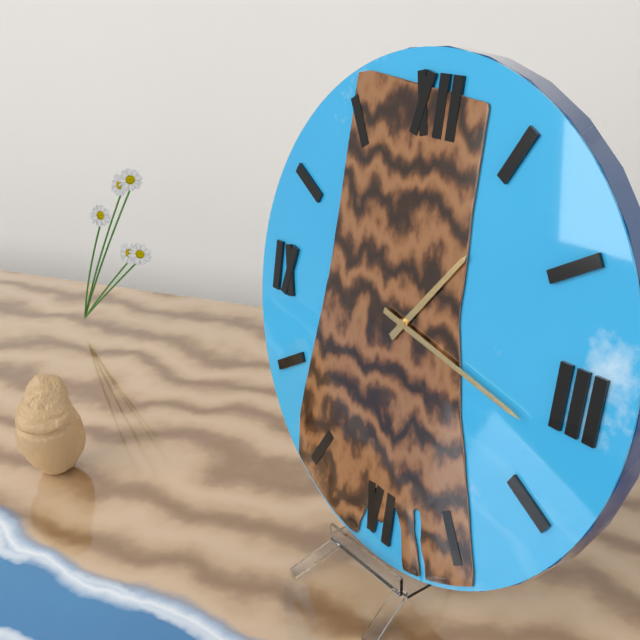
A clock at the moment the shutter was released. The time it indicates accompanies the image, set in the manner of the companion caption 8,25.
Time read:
1,17
